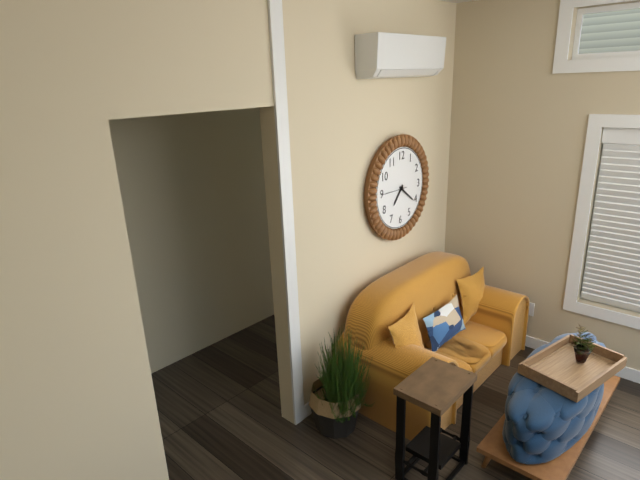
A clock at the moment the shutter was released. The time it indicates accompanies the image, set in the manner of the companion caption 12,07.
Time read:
7,21
